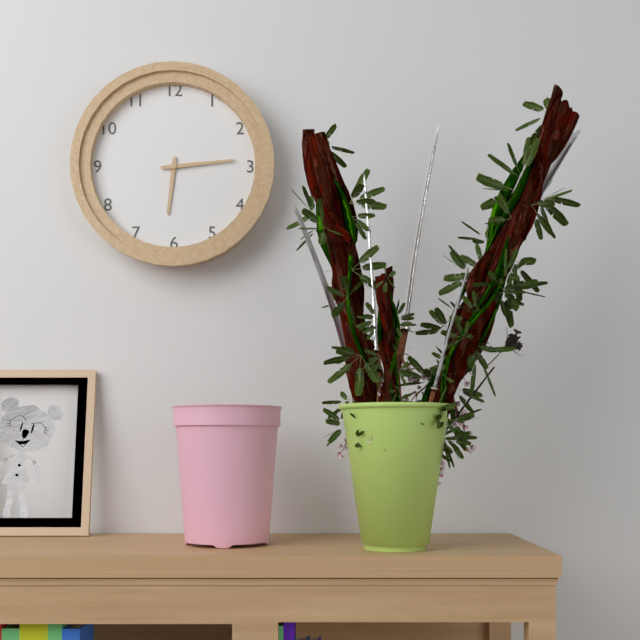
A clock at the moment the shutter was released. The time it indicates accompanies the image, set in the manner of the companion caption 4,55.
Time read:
6,14
